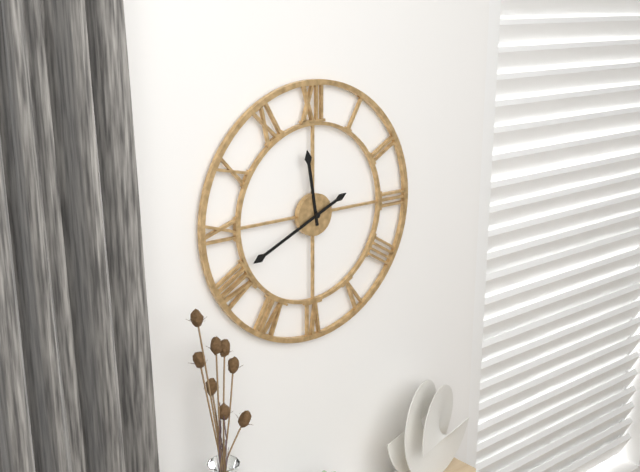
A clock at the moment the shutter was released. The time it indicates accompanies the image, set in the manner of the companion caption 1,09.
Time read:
11,41
